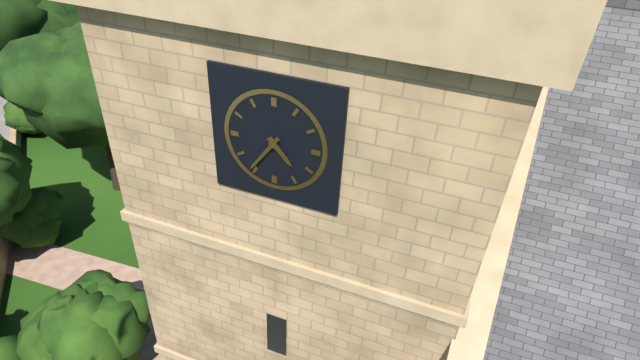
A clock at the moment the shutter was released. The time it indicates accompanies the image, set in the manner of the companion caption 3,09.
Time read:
4,36
